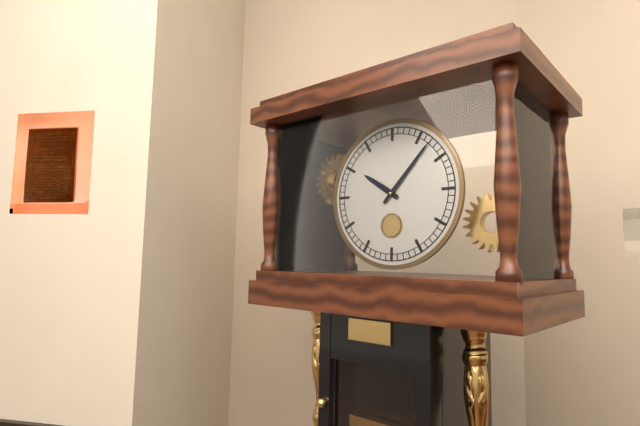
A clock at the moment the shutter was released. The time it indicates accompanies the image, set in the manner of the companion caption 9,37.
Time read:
10,07
